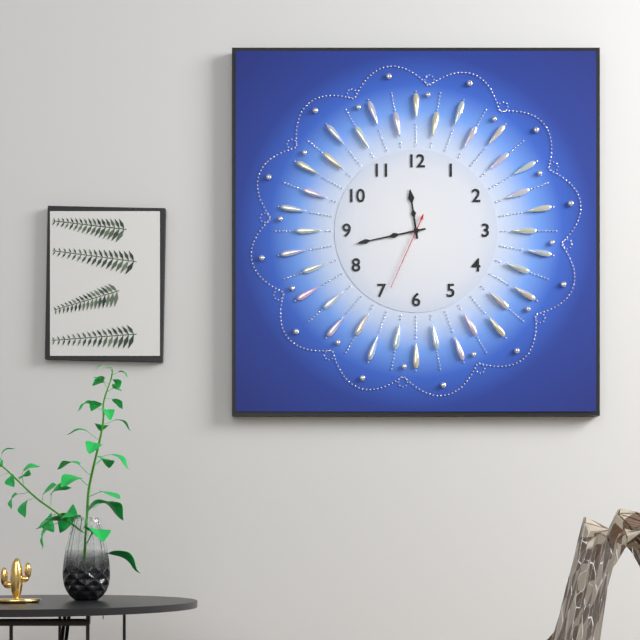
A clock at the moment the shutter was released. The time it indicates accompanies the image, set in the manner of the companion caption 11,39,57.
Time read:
11,43,34
